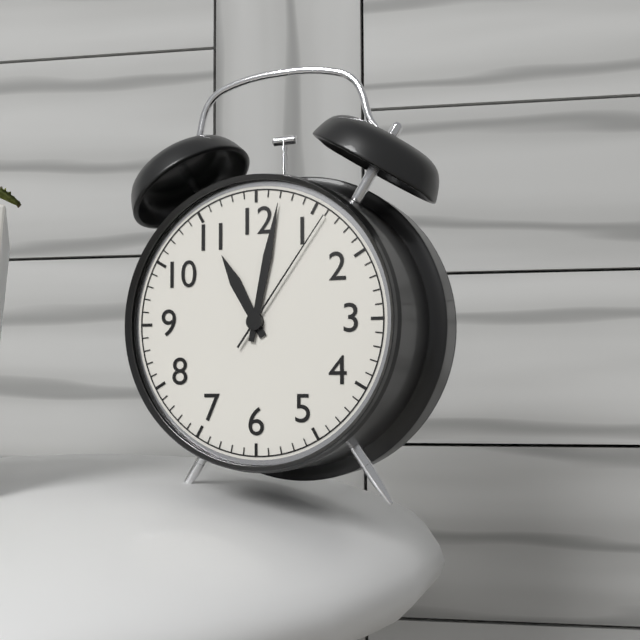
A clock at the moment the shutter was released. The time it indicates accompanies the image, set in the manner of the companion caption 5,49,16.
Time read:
11,02,06
